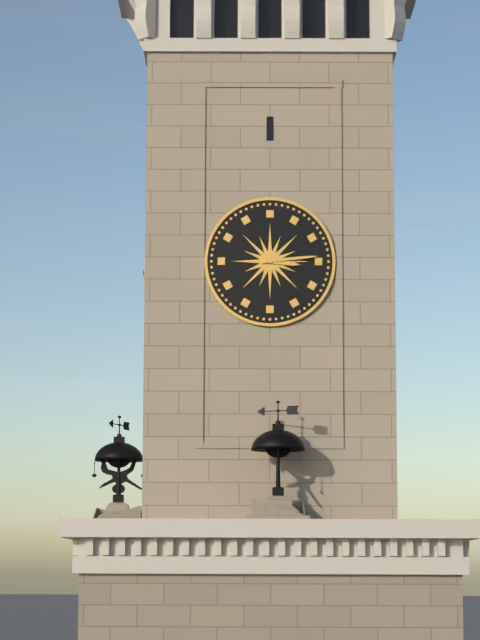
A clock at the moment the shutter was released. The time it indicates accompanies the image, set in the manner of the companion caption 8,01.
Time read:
3,14
